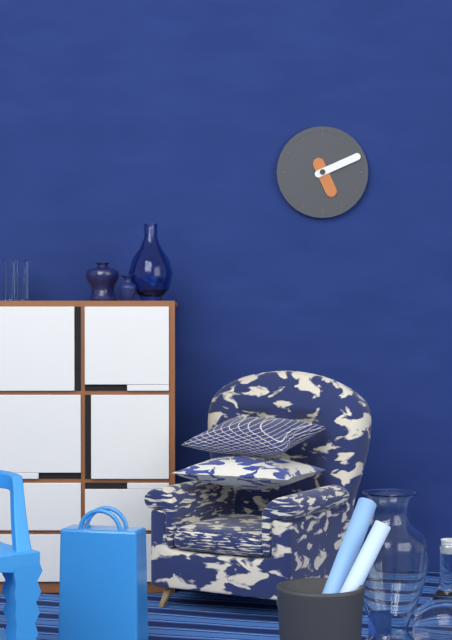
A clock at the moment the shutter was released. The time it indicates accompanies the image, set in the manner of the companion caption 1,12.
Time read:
5,11
